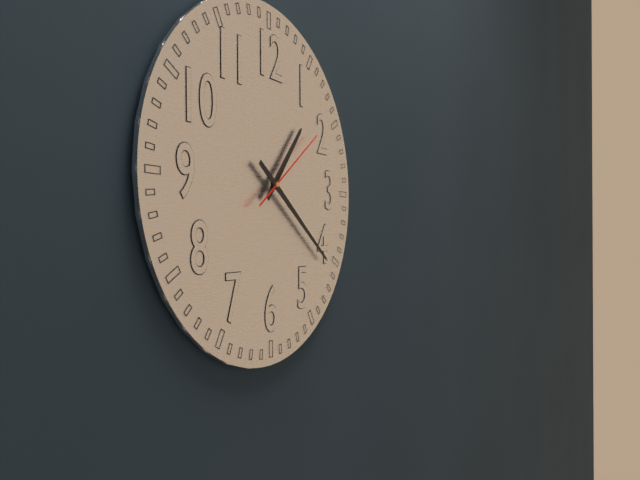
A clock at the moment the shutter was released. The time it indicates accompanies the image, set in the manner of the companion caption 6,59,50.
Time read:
1,21,09
